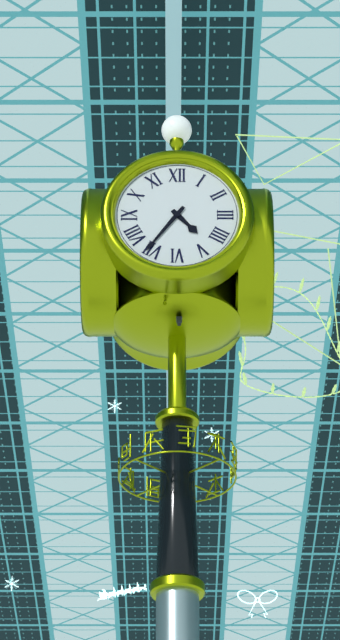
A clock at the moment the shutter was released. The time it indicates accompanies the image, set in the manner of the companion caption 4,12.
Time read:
4,36
